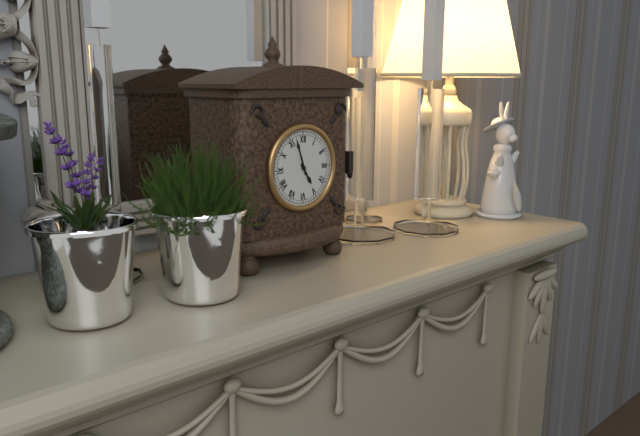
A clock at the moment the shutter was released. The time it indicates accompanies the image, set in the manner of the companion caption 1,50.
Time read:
4,57
